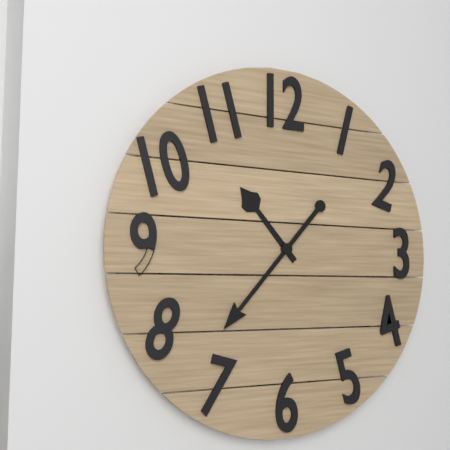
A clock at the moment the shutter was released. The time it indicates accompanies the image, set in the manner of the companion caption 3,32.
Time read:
10,37
